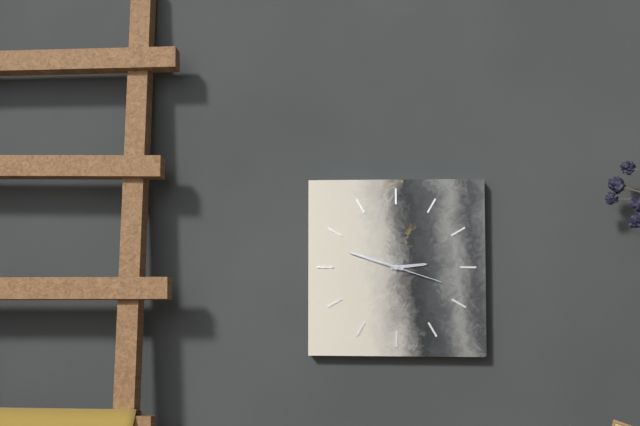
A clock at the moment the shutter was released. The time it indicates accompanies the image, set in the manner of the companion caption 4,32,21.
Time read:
2,48,18
